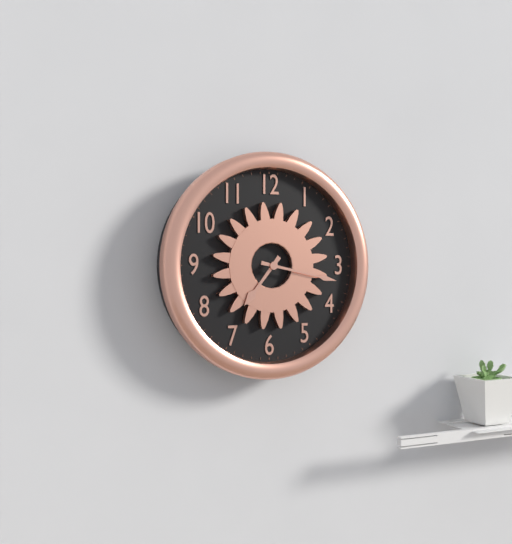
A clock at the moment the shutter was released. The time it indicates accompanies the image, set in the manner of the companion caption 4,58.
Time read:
7,17
